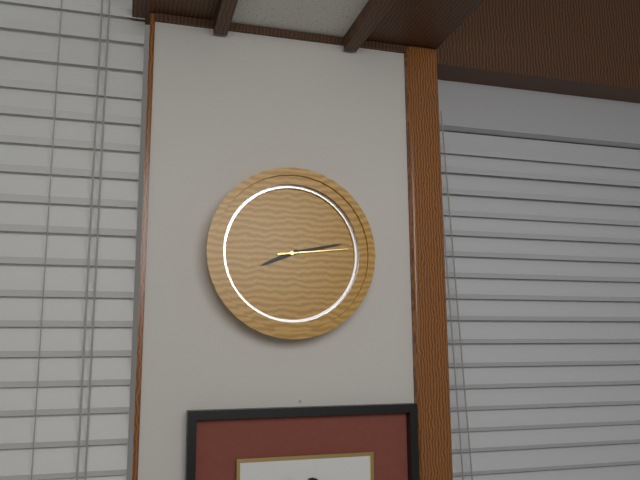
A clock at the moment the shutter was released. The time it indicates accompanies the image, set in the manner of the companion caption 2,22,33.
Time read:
8,13,14
